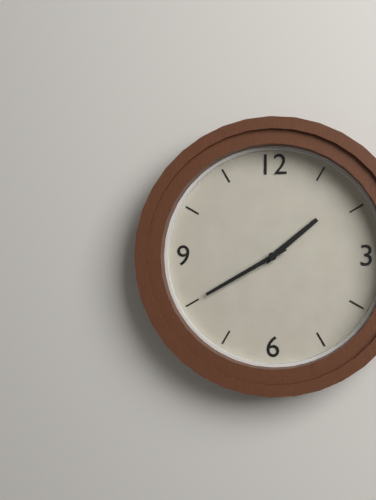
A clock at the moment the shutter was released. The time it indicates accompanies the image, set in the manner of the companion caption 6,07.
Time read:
1,40
